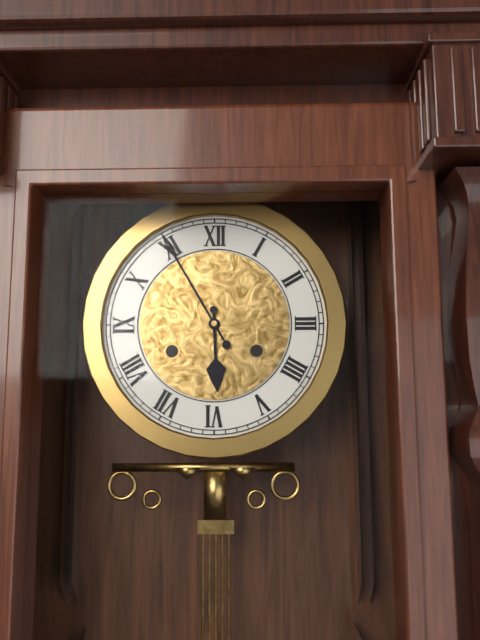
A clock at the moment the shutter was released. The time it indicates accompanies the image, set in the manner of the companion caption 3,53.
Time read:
5,55
